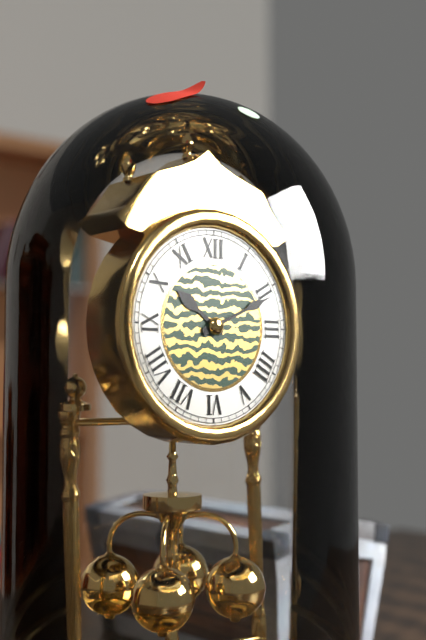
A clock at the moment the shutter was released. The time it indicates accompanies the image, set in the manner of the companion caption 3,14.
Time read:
10,11
